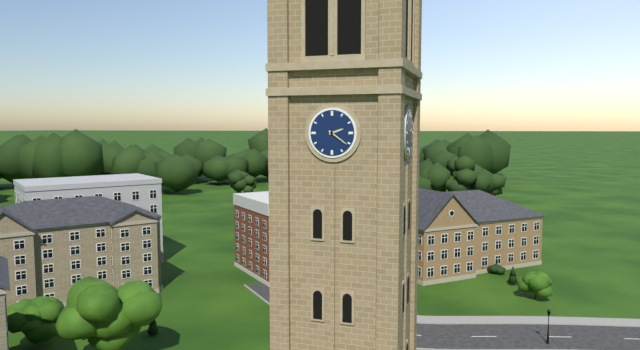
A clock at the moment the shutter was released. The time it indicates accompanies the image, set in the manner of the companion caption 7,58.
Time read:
2,21
